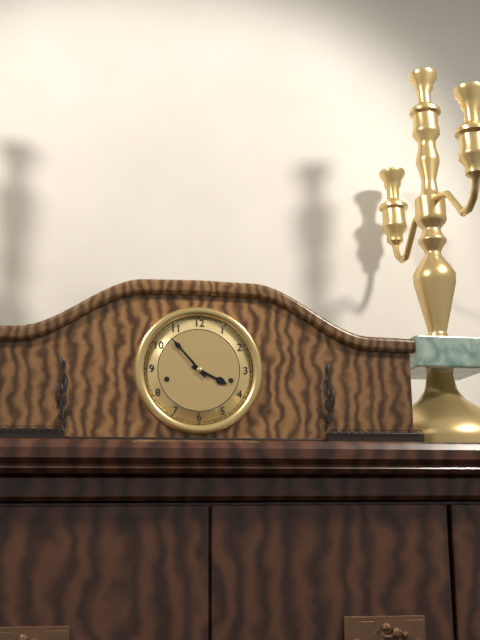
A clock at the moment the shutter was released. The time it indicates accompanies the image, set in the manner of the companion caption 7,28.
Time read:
3,53
